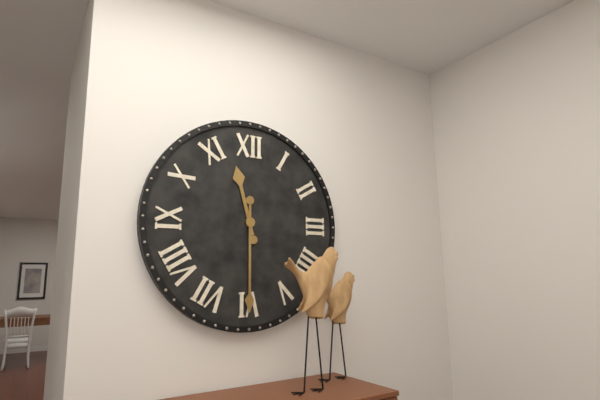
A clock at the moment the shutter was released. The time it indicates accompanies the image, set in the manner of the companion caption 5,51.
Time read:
11,30
